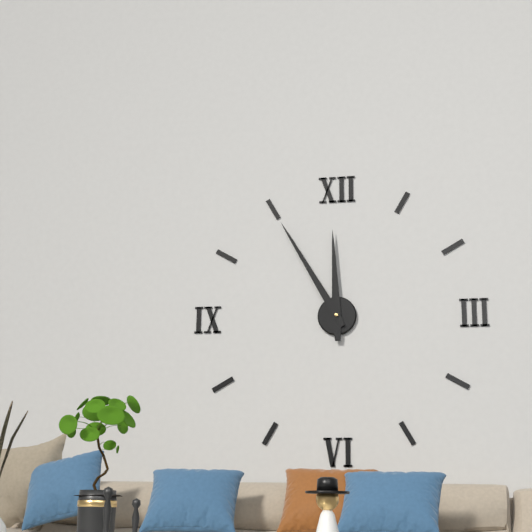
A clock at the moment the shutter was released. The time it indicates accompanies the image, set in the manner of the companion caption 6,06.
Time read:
11,55
